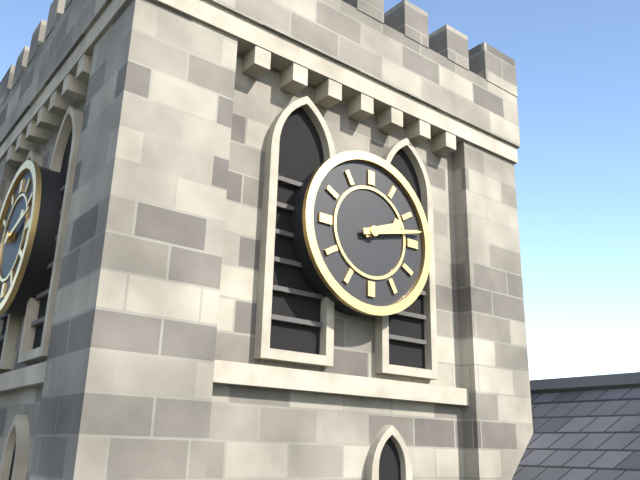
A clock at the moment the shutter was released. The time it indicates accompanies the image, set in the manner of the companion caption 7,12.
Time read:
2,13
